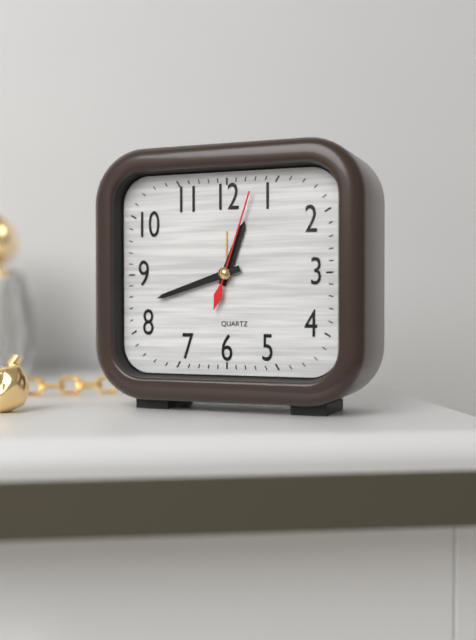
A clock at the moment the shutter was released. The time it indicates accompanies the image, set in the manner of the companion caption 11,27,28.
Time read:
12,42,03
